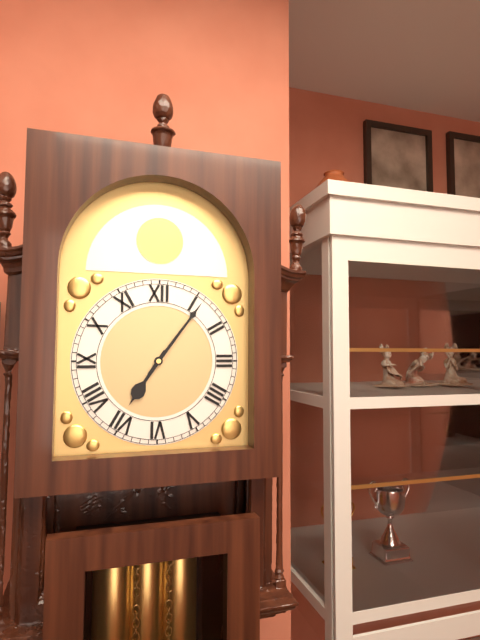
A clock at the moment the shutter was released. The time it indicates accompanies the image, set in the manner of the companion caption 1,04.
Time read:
7,06
